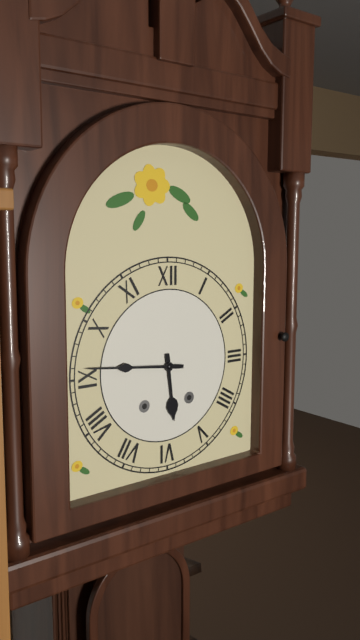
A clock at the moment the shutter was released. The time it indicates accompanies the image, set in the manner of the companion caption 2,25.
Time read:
5,46
